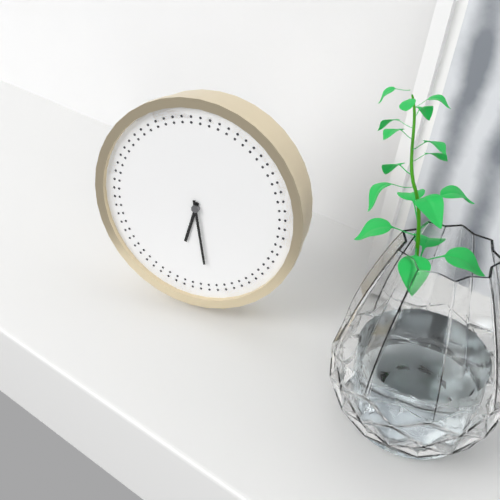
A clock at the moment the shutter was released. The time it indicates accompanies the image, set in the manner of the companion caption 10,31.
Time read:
6,28
